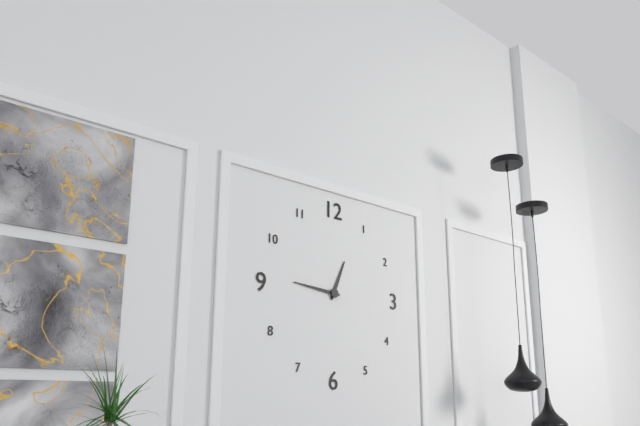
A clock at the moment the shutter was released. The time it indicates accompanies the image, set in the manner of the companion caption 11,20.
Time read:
12,46
